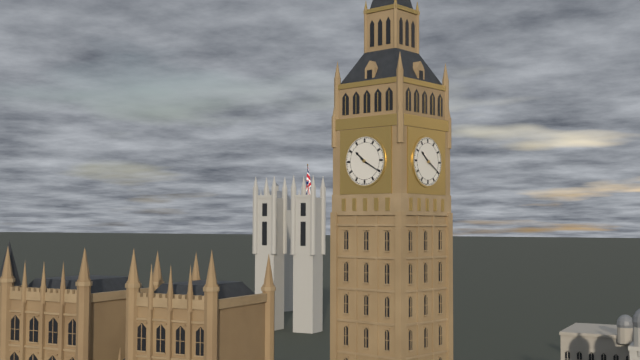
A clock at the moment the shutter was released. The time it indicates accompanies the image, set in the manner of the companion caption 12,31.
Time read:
10,20
